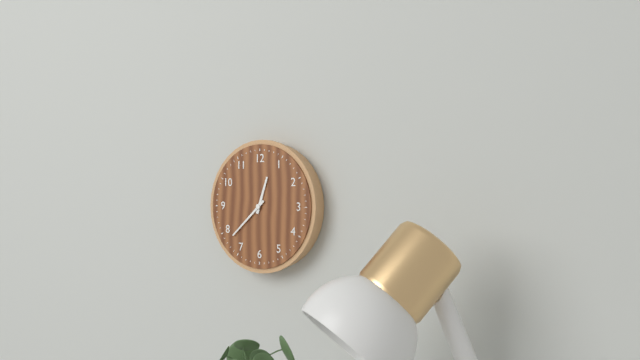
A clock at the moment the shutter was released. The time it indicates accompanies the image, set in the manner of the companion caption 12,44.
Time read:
12,38
